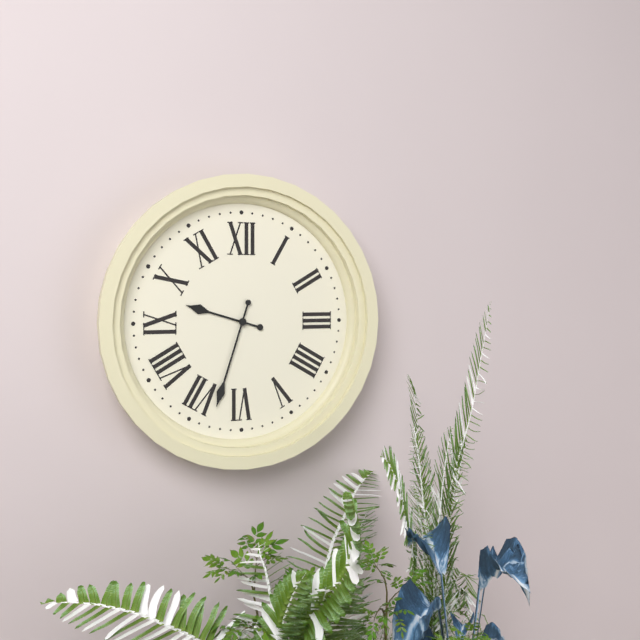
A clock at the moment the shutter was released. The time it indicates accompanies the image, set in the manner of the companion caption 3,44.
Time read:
9,33
